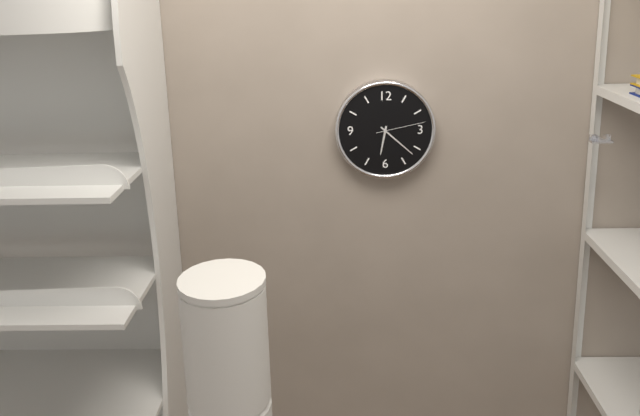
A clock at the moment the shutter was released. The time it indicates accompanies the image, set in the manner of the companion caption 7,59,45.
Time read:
6,22,13
